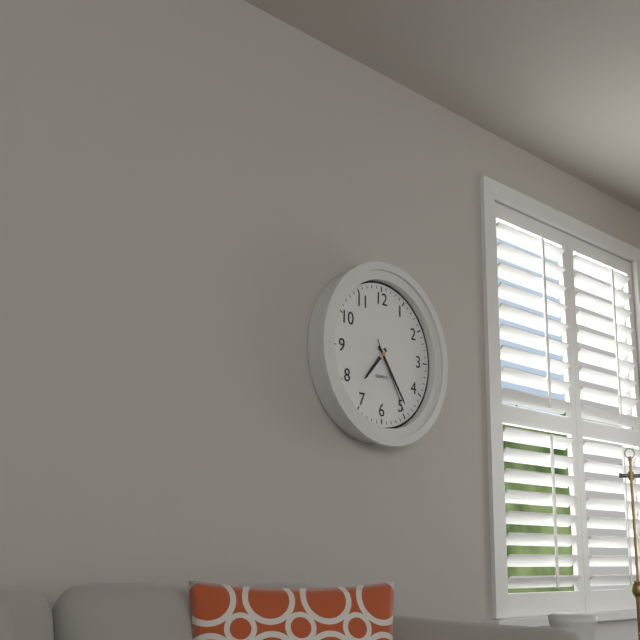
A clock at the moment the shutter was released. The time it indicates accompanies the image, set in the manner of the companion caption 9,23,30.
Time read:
7,24,25
